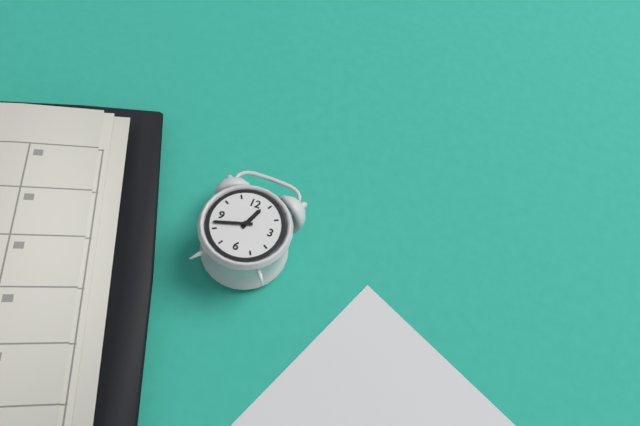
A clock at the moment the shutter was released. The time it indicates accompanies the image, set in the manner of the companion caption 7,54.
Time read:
12,42
